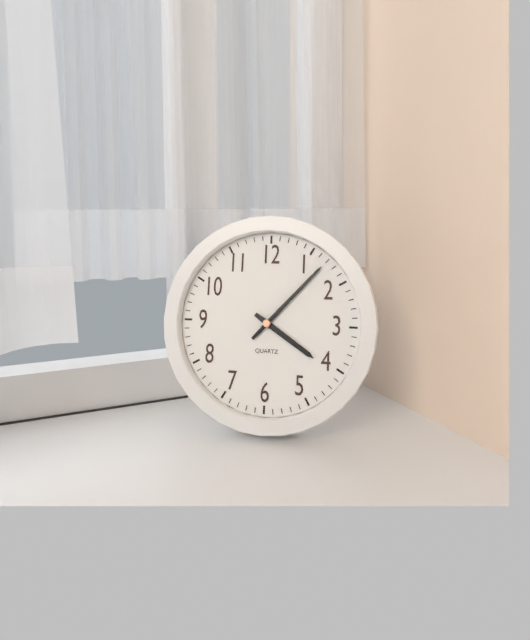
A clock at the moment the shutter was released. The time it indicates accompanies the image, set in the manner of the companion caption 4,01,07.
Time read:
4,07,07
